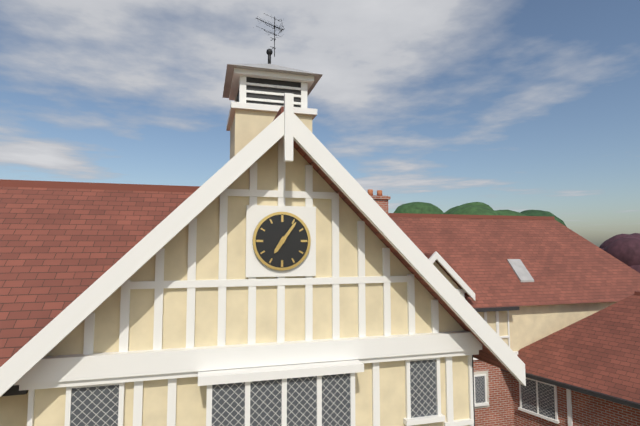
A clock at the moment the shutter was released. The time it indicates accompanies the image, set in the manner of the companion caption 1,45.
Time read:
7,06
